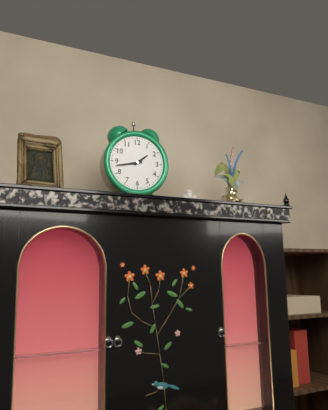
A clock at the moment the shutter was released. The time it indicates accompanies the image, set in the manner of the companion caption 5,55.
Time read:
1,43
